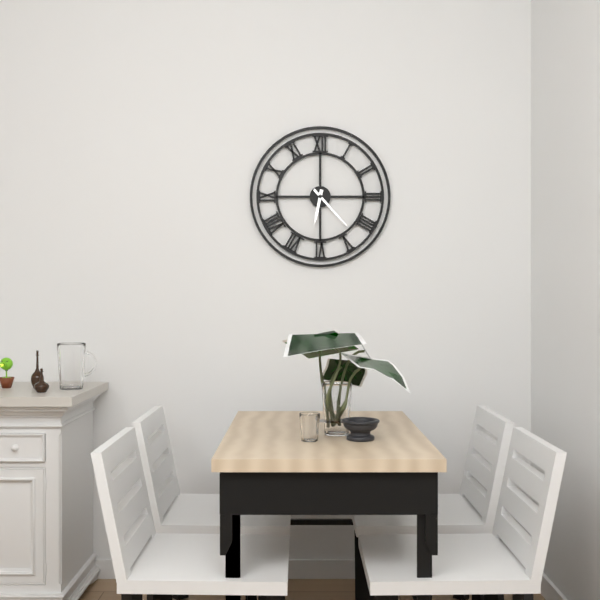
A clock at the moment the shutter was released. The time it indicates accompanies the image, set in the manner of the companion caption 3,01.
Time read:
6,23
